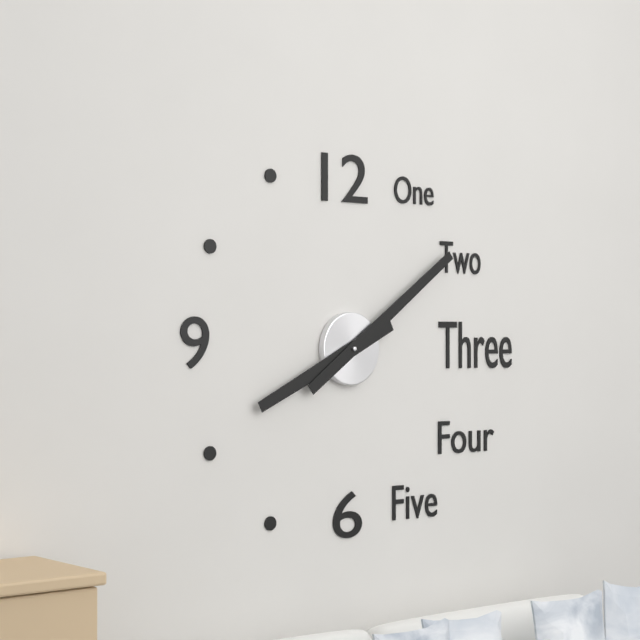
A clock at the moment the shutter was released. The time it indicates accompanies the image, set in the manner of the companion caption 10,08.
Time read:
8,09
